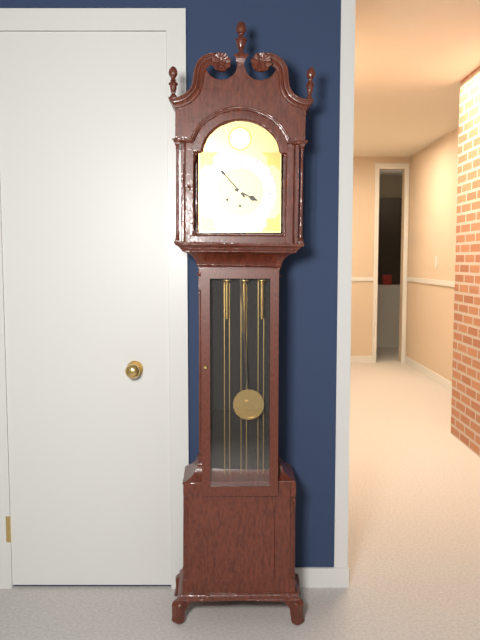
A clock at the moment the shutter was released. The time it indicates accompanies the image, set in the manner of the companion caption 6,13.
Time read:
3,53
